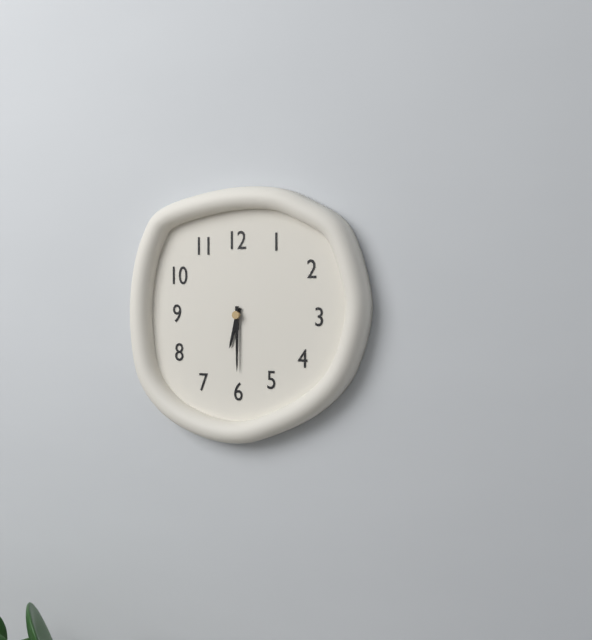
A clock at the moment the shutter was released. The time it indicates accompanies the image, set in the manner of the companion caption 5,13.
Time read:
6,30
